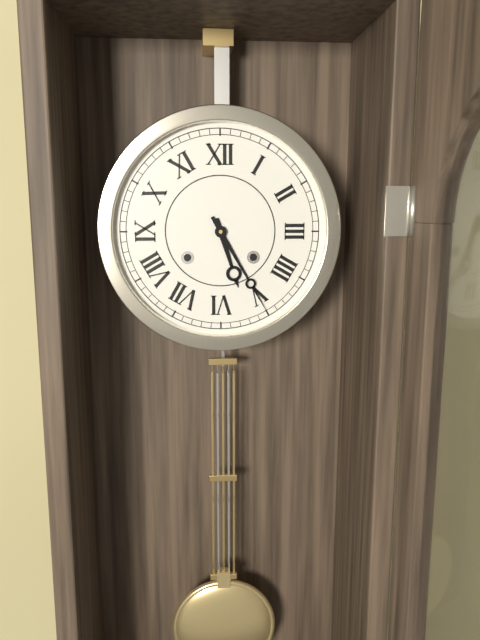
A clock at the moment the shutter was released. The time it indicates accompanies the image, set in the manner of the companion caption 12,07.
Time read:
5,25
